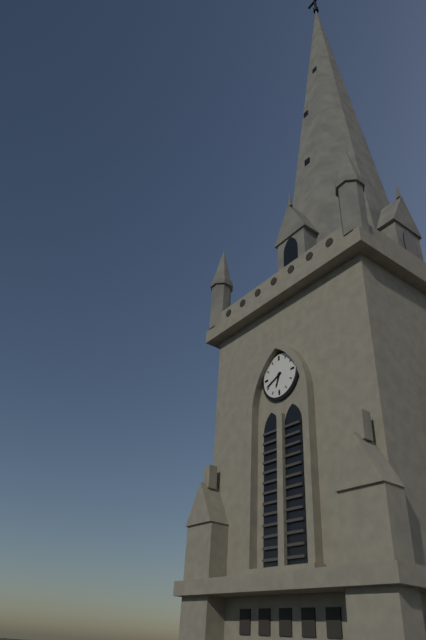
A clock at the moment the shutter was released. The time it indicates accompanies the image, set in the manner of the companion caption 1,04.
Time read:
6,41
